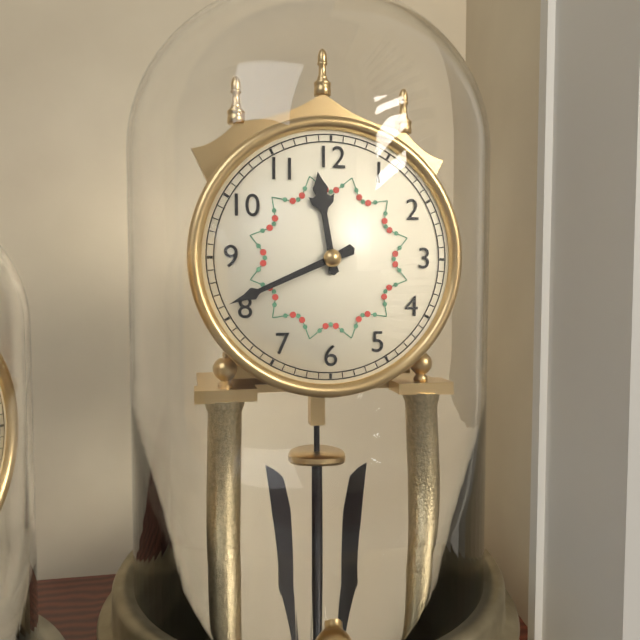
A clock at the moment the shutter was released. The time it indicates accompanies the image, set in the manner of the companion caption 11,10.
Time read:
11,41
